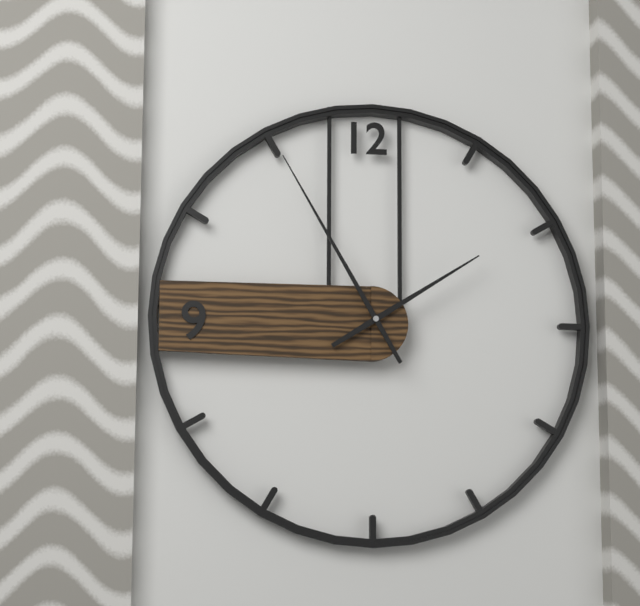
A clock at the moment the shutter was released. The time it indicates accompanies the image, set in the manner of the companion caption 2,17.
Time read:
1,55
